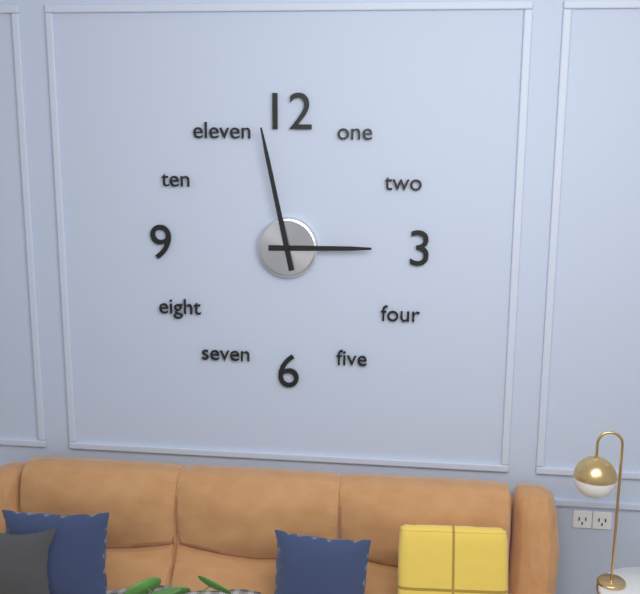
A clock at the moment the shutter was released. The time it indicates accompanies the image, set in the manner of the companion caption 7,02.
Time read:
2,58
